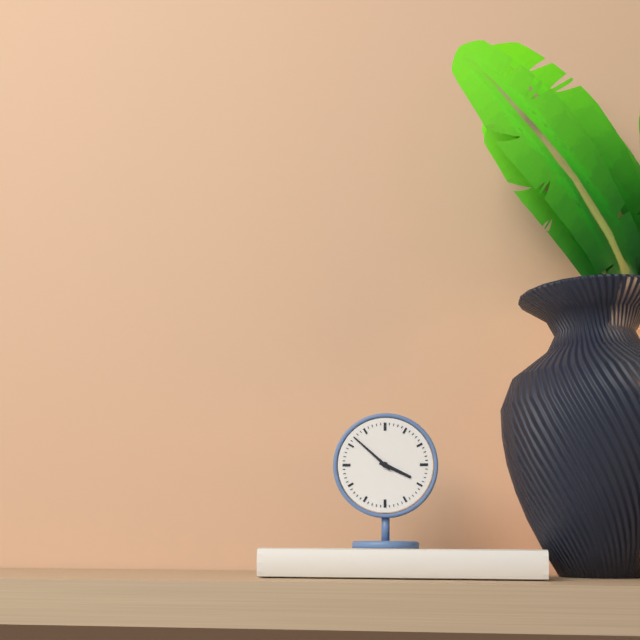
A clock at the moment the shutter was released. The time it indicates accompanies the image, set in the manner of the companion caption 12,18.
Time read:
3,52
